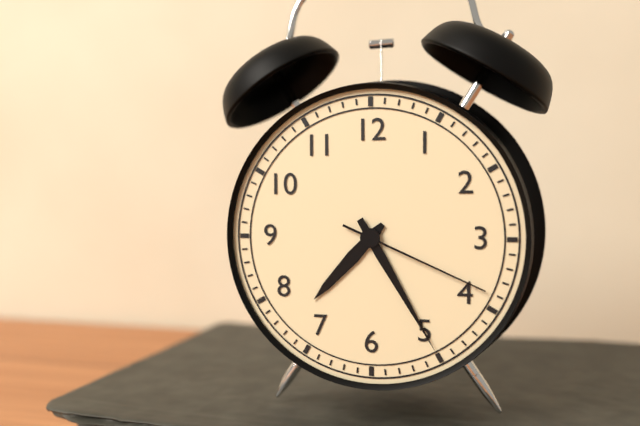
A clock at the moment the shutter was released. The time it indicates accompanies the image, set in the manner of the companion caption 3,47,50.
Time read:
7,25,19
